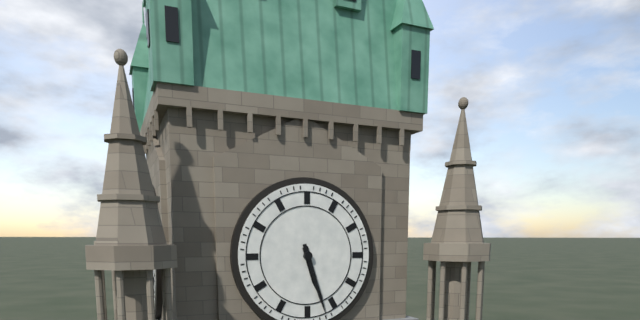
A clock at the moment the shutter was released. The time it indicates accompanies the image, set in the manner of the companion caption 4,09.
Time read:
5,27
